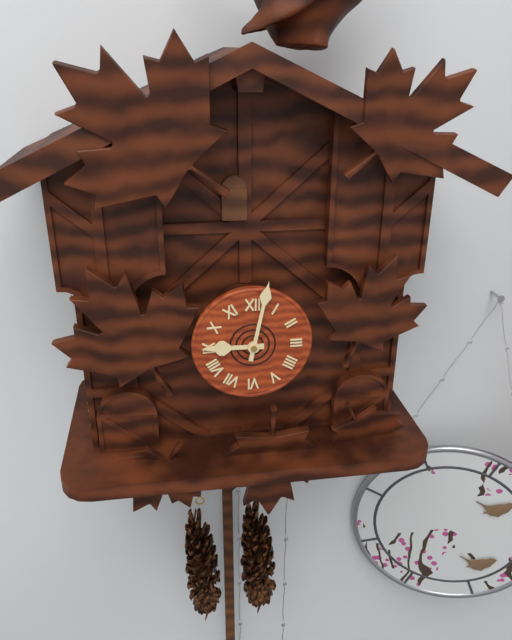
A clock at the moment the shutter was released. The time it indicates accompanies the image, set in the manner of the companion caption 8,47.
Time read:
9,02
